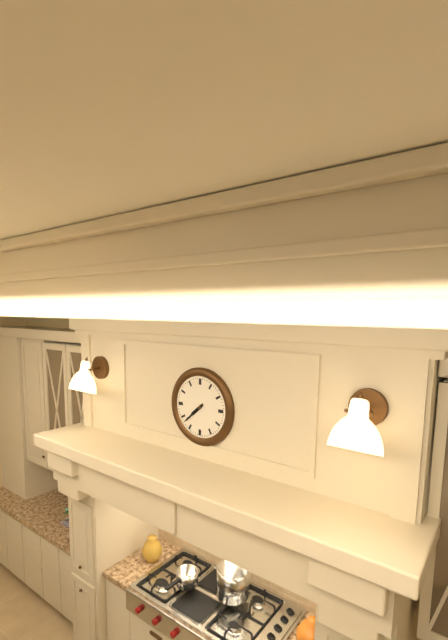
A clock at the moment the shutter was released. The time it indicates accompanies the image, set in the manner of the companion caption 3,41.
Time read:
7,38
